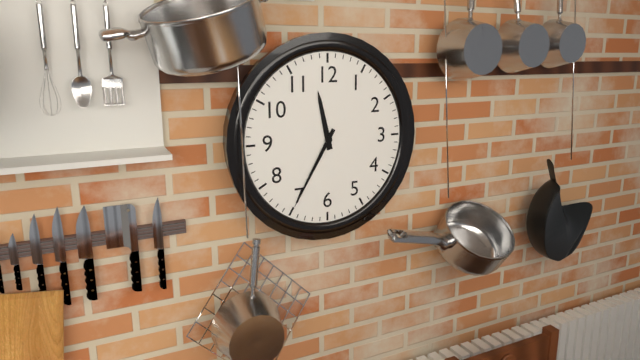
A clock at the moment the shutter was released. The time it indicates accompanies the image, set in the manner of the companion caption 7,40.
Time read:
11,35
